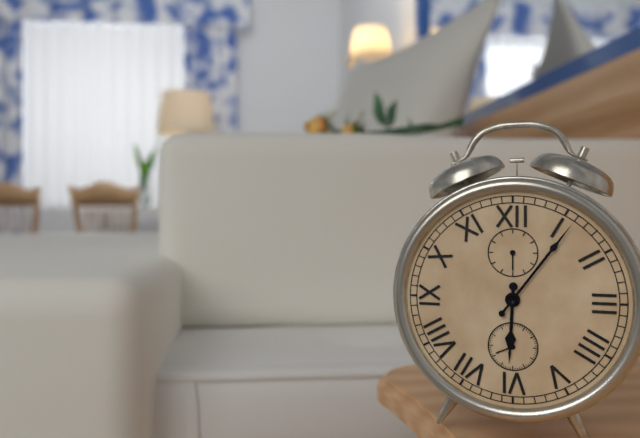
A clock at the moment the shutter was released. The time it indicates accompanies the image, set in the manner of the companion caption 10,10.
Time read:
6,06
